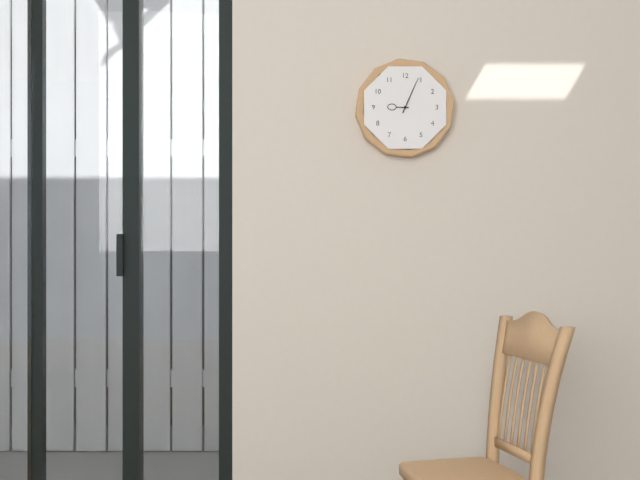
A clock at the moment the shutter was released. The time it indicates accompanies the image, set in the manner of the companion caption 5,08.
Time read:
9,04
